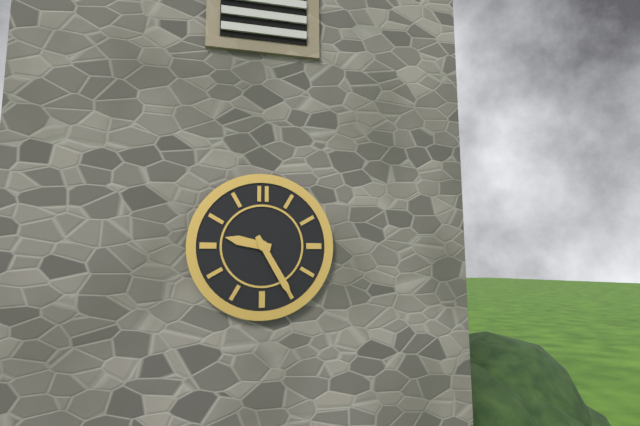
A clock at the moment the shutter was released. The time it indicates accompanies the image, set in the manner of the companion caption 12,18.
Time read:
9,25
